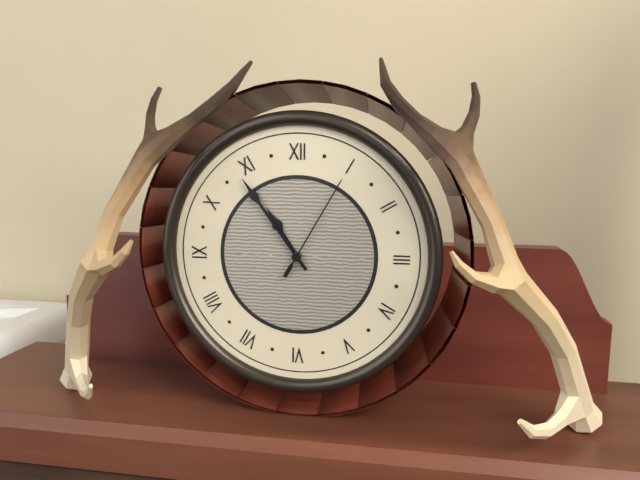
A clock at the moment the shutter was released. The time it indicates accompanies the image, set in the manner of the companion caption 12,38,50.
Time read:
10,54,05
